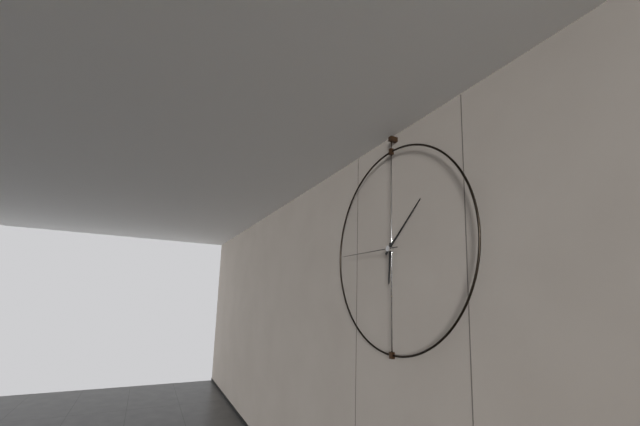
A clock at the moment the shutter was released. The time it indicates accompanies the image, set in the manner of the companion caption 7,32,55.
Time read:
6,08,45
